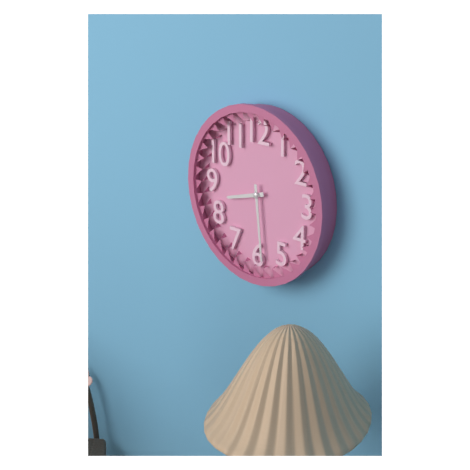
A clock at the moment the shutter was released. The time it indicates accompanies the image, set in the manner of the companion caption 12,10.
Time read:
8,29
